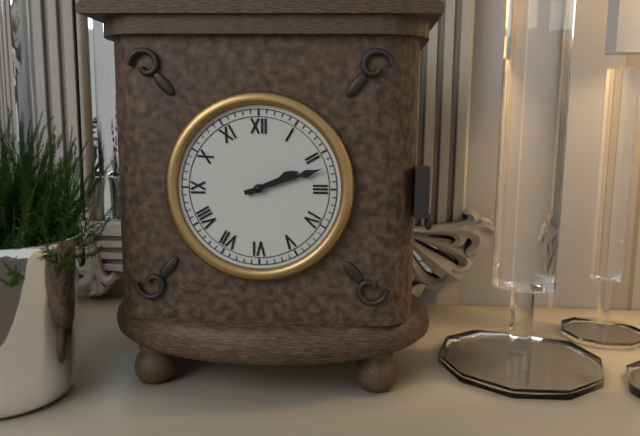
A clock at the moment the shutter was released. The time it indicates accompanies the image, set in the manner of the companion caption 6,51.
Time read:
2,12
